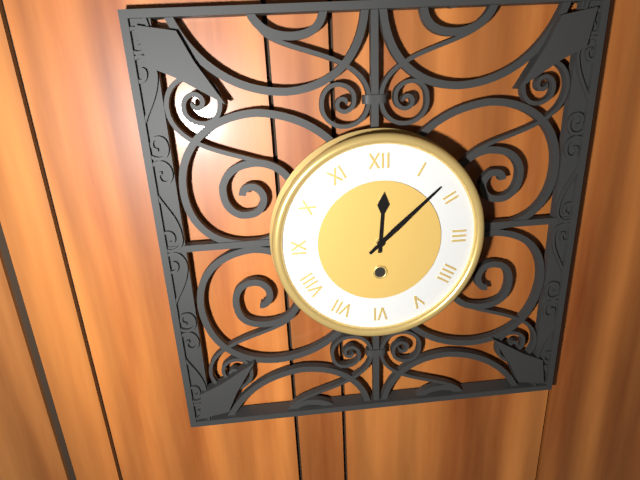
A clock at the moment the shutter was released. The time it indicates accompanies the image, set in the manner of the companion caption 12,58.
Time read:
12,08
